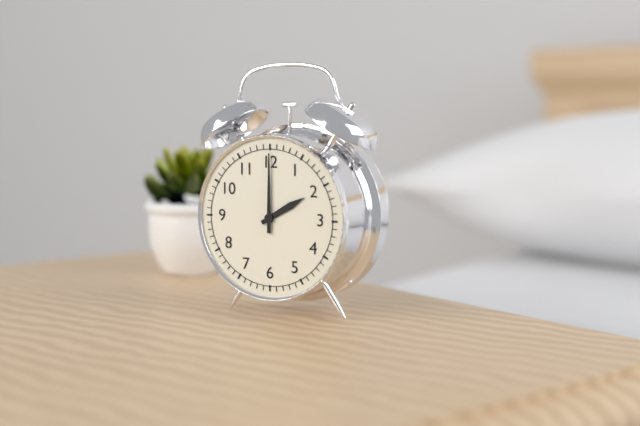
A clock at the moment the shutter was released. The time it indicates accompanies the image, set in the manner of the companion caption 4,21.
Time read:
2,00
